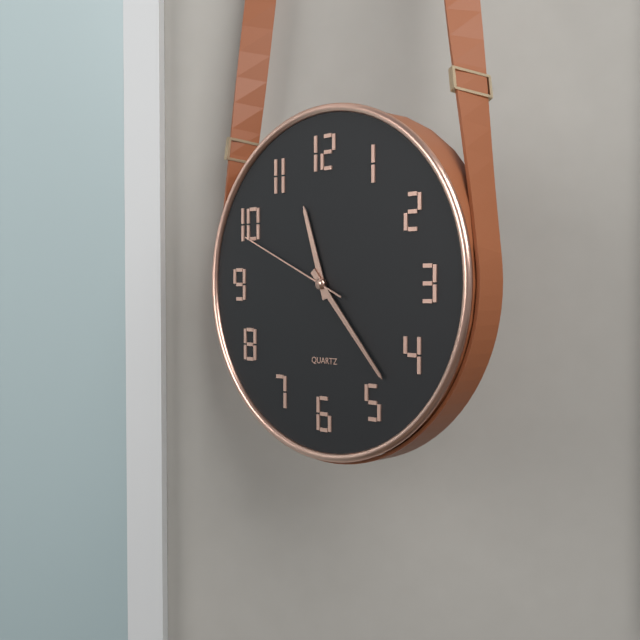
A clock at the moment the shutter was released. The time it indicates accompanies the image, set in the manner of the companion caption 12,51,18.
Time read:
11,23,49
